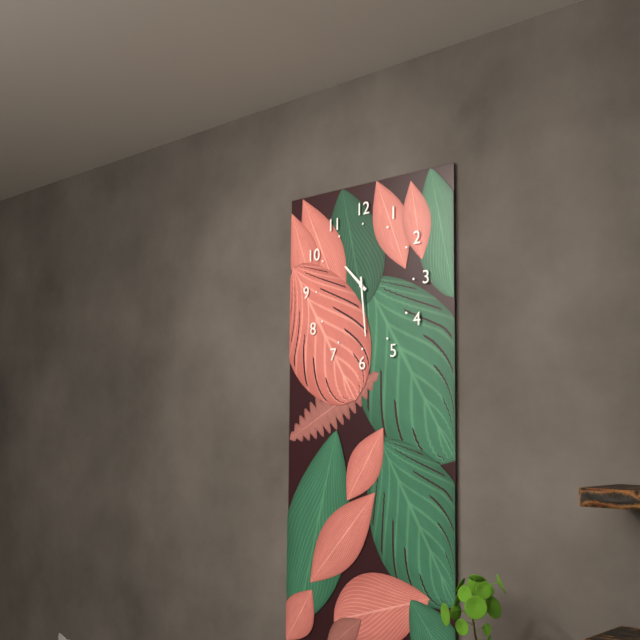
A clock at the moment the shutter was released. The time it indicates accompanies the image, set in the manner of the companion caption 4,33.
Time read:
10,29
